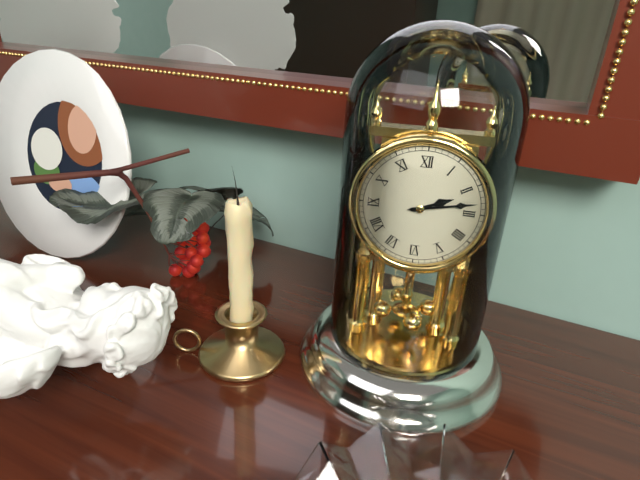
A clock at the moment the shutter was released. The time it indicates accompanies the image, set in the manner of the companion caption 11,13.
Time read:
2,13
